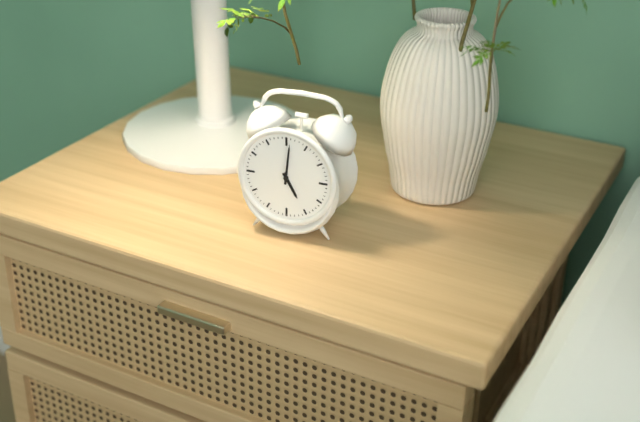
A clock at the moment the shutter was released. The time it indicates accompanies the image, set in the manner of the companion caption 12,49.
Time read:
5,01
